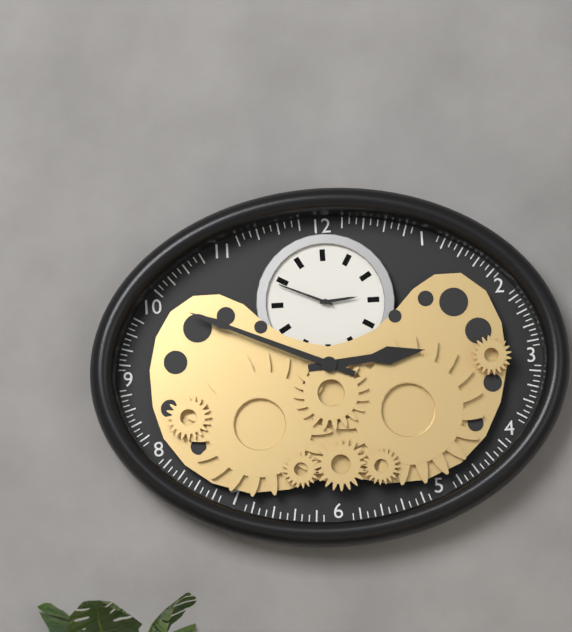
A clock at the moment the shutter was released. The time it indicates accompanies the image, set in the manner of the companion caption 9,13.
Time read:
2,49
